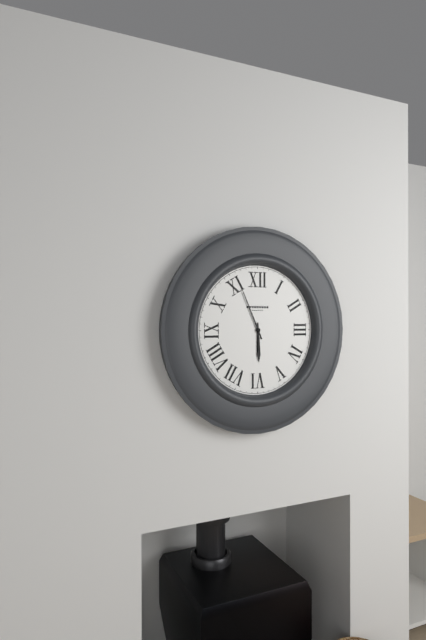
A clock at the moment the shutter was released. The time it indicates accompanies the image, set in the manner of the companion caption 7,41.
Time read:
5,56
